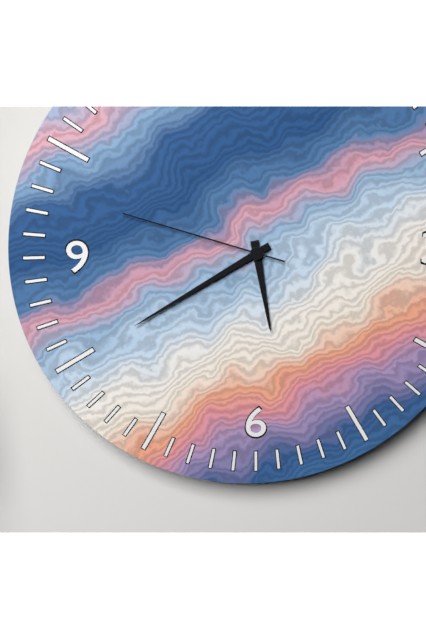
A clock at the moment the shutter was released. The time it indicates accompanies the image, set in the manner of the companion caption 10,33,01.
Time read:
5,40,48
